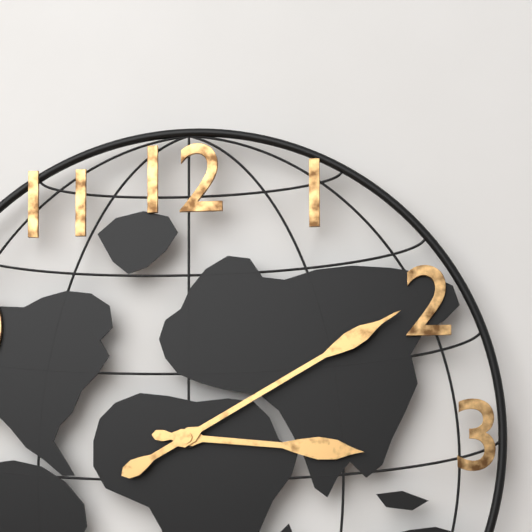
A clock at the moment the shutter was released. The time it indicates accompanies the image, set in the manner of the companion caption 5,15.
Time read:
3,10
